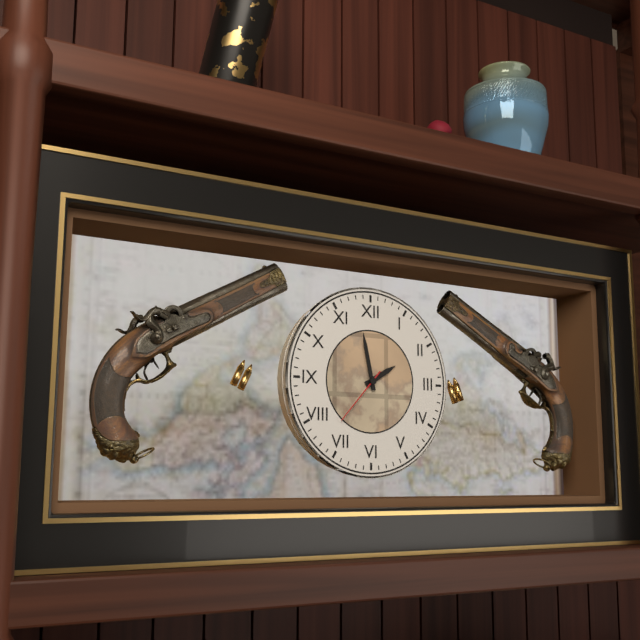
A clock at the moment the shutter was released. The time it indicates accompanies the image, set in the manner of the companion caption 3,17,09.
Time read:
1,58,37
